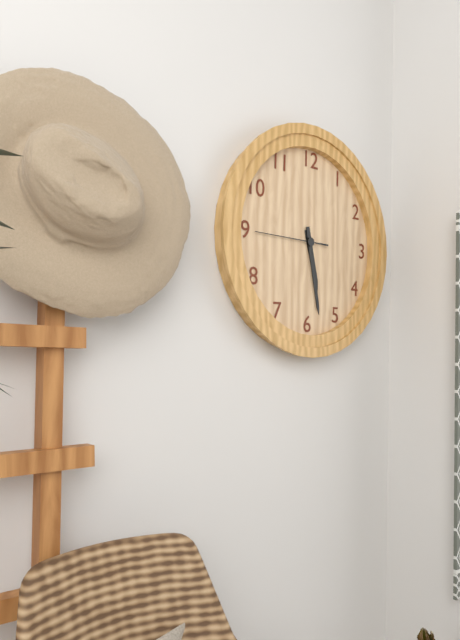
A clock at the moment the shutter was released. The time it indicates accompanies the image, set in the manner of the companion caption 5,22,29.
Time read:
5,28,45
